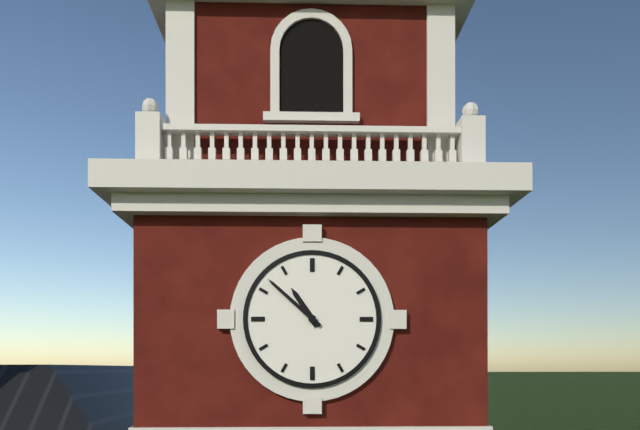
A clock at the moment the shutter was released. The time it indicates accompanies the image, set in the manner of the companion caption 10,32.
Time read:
10,52
